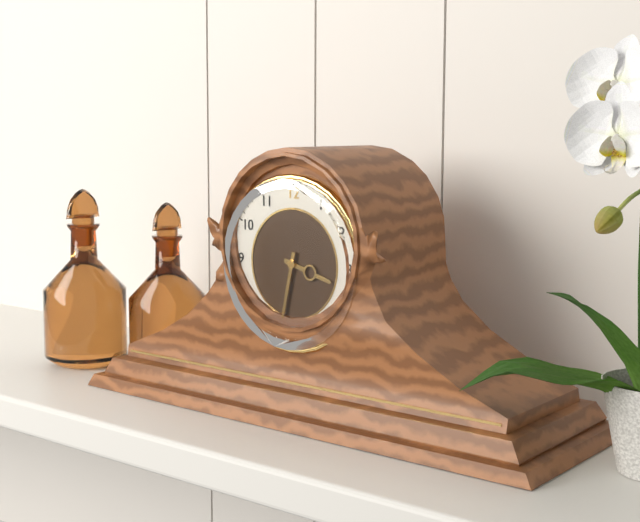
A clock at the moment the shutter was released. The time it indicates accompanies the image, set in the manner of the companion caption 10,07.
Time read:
3,32
